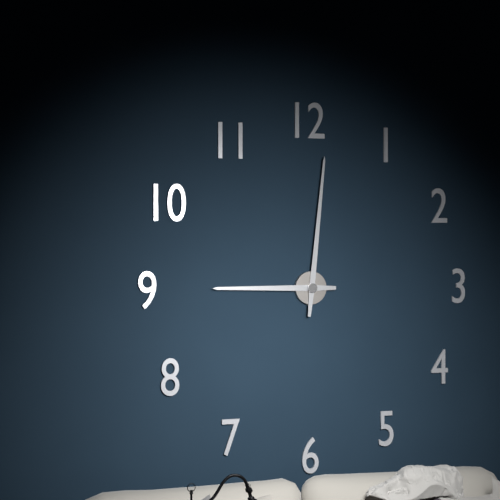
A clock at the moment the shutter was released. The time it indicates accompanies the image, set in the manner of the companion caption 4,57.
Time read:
9,01
